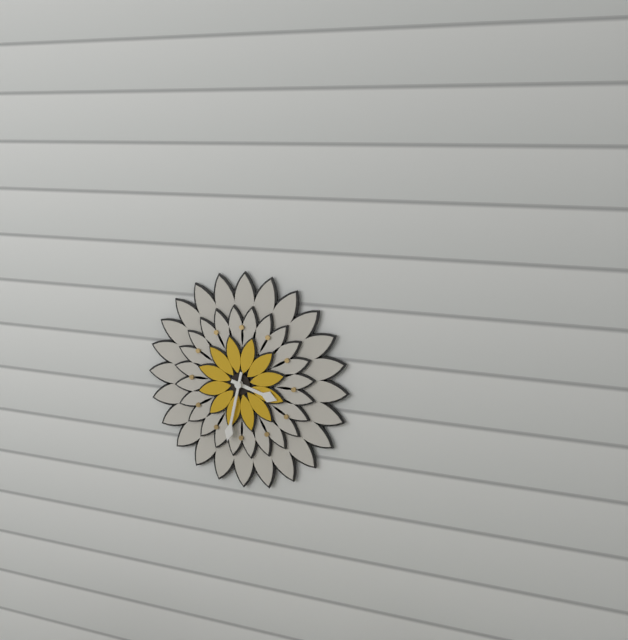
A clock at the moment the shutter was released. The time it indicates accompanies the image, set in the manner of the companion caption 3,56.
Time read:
3,32
